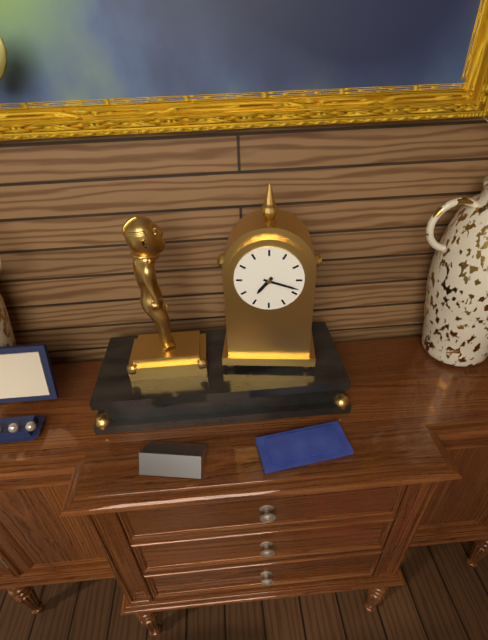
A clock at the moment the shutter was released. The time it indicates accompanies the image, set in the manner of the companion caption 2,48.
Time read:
7,18
